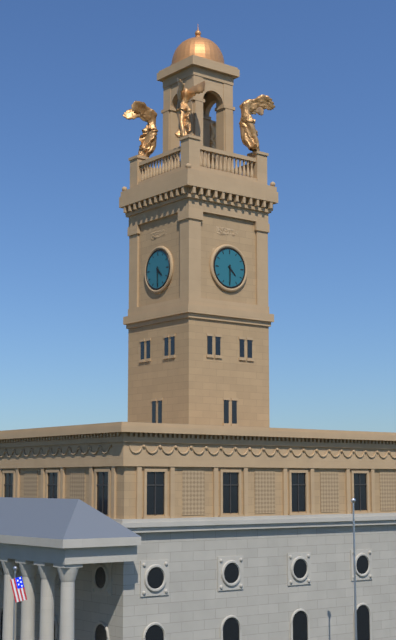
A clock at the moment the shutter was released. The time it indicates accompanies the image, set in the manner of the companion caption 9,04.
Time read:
4,30
